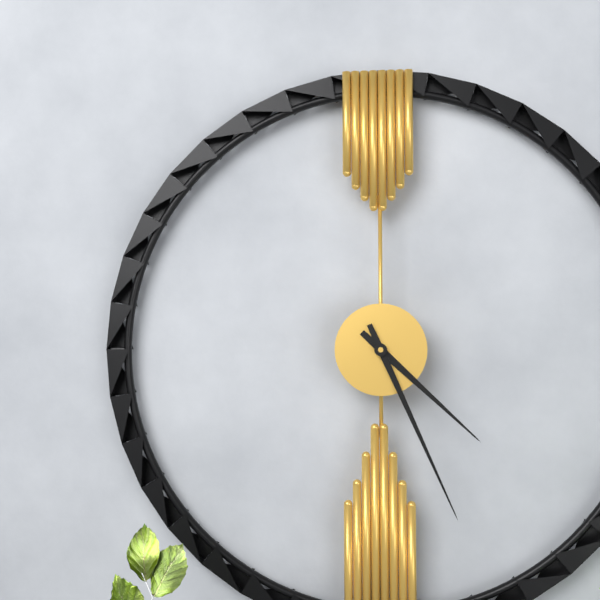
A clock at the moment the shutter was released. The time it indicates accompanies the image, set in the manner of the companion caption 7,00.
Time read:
4,26
